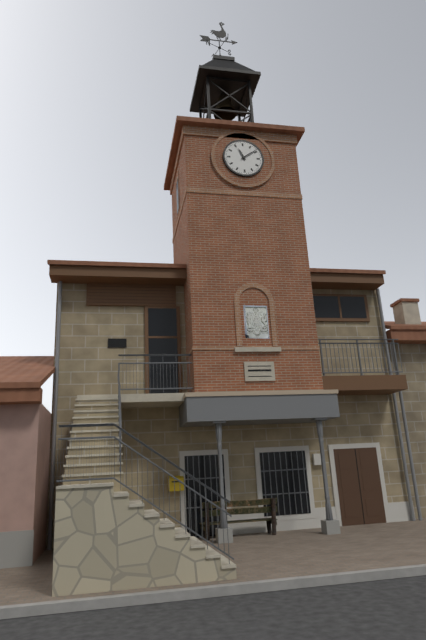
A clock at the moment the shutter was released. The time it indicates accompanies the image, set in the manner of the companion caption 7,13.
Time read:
11,09
